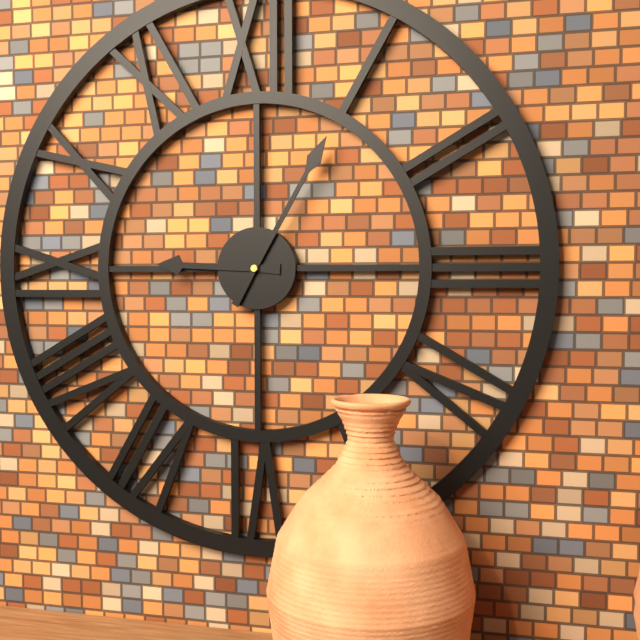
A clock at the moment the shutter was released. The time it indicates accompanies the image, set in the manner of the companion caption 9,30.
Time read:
9,05
